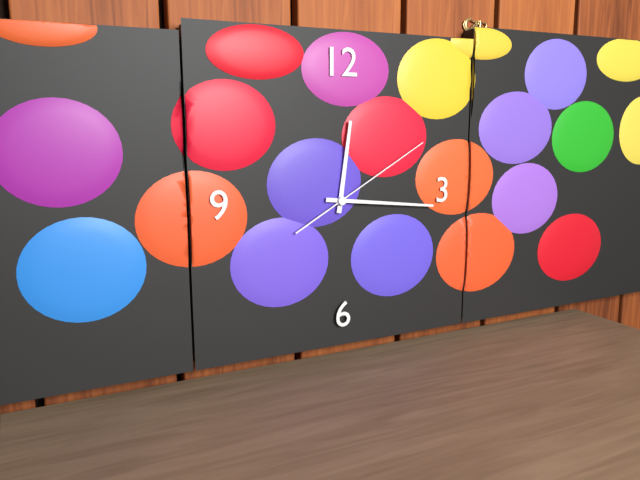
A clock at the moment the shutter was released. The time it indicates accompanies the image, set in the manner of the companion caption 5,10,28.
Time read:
12,16,10
